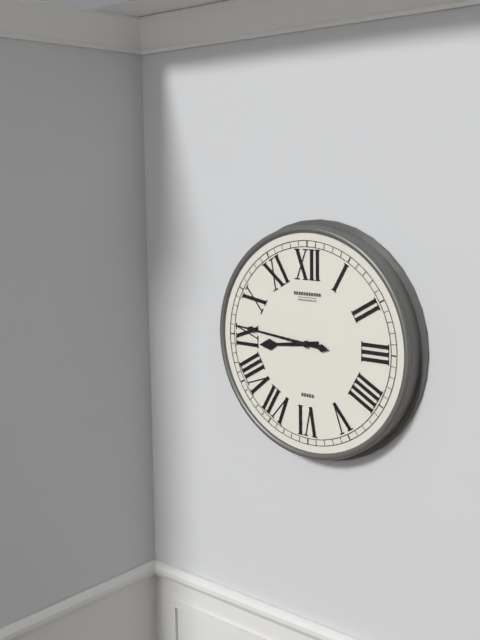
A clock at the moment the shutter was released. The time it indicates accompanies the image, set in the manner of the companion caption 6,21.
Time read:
8,46
